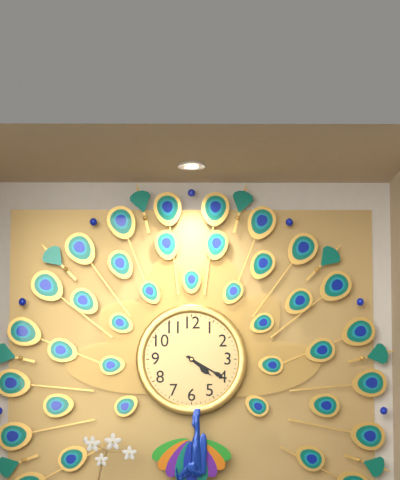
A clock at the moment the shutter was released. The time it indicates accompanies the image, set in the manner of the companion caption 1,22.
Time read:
4,20
